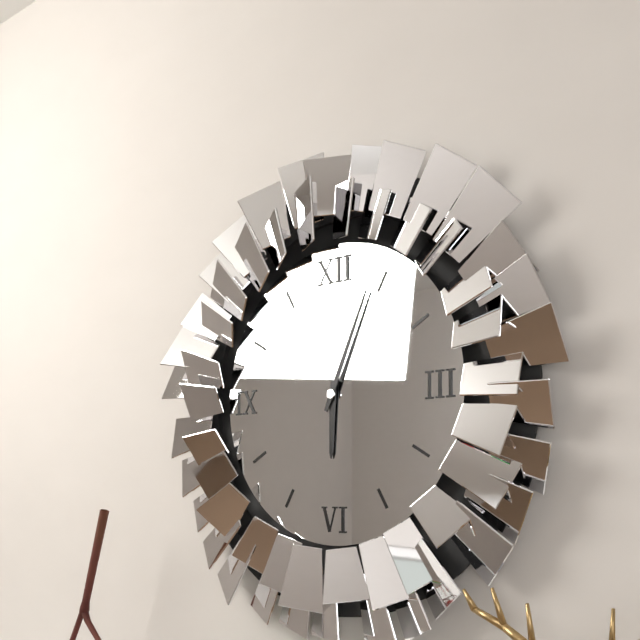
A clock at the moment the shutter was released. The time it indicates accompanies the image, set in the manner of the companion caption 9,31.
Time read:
6,04
